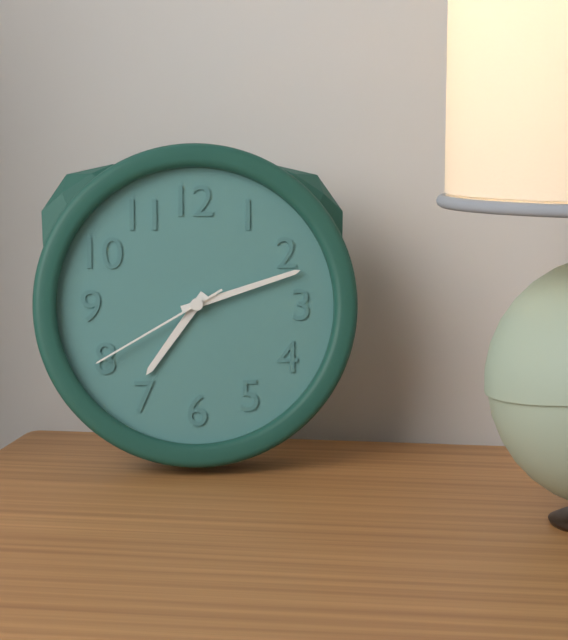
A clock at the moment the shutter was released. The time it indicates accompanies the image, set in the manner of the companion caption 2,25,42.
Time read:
7,12,40
